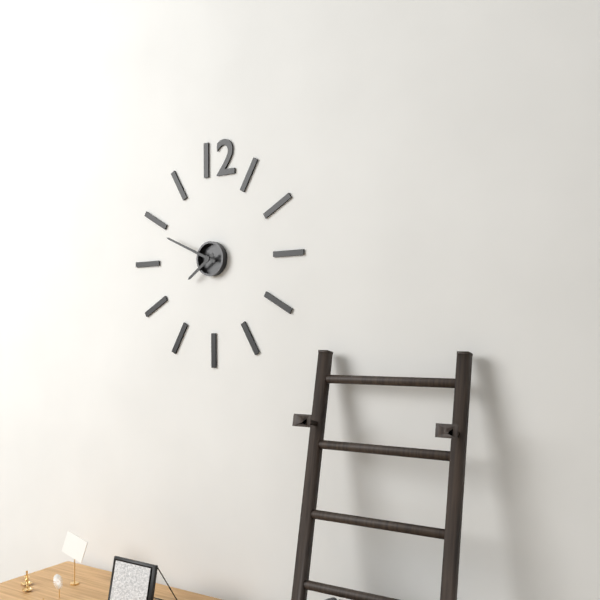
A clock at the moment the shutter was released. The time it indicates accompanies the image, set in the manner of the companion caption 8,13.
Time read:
7,49
